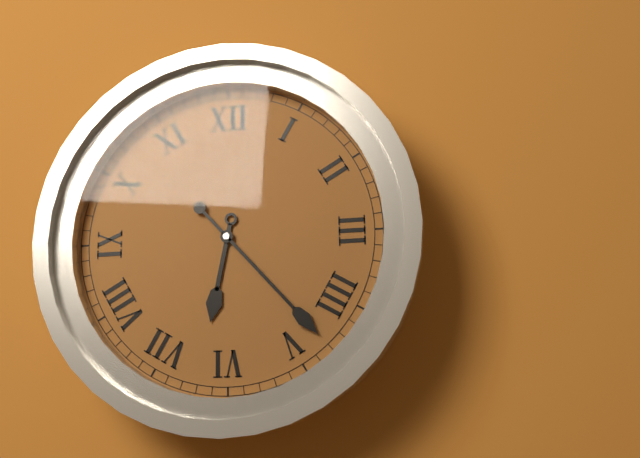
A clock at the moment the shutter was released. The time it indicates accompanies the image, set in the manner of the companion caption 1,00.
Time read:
6,23
